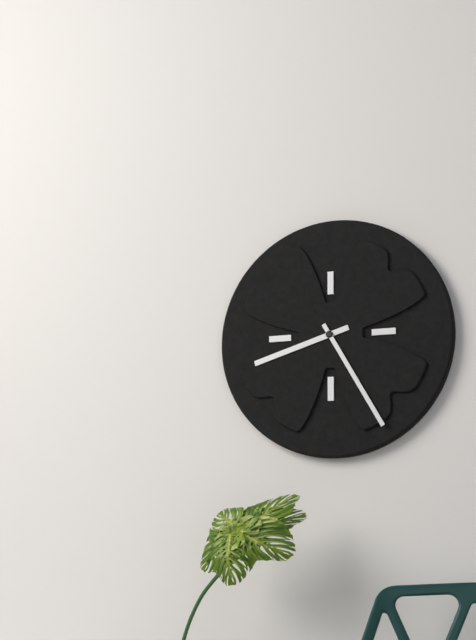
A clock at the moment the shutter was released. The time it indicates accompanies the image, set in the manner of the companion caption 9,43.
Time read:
8,25
